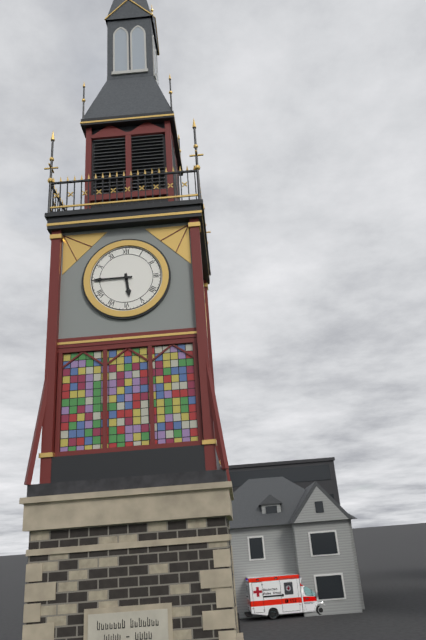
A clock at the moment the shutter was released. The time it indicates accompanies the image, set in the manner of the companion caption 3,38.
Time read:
5,45
